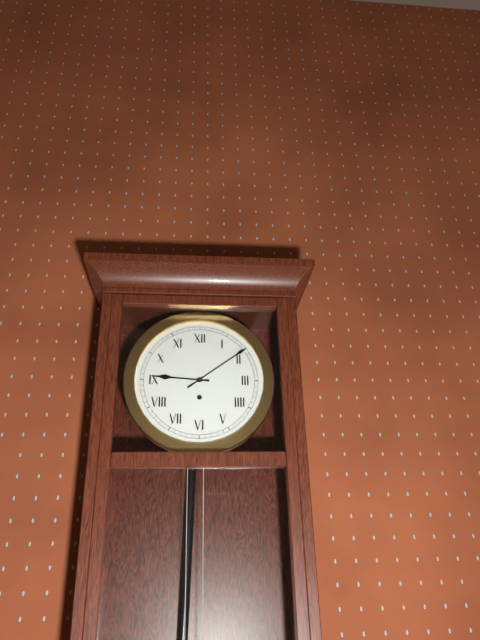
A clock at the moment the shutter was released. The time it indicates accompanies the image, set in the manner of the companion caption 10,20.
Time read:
9,09
